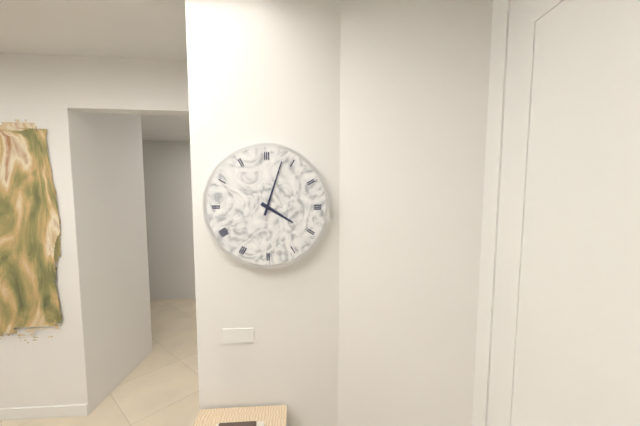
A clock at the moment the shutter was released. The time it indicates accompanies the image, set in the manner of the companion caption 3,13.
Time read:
4,03
